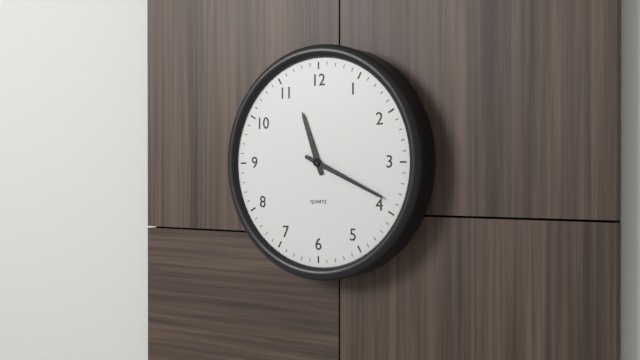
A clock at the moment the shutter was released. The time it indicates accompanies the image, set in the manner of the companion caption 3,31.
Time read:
11,19
